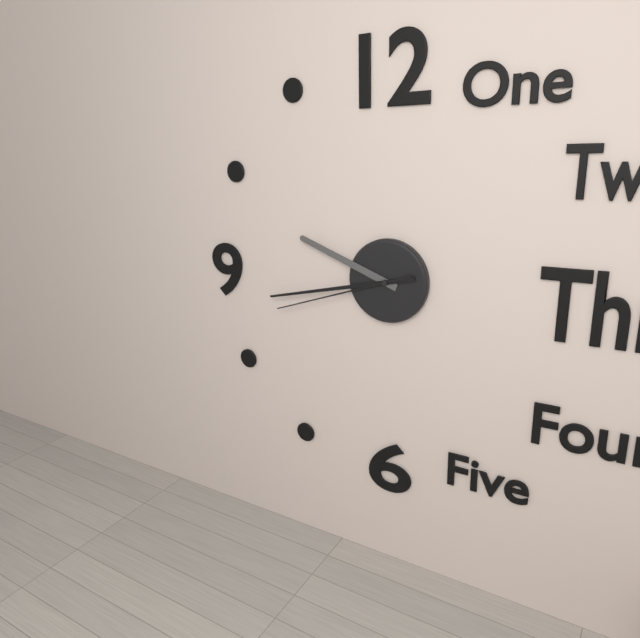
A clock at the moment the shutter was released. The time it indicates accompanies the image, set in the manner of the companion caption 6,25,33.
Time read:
9,43,42
